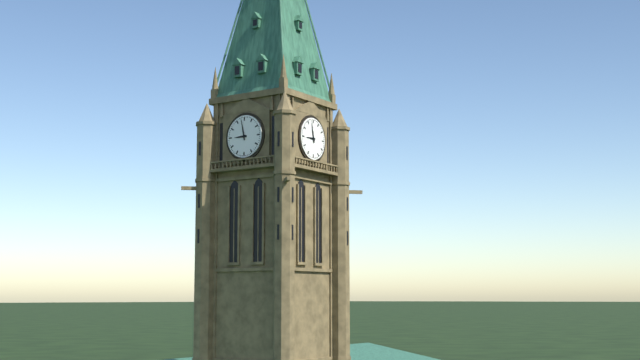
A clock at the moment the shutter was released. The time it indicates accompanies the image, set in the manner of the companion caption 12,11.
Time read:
8,58
